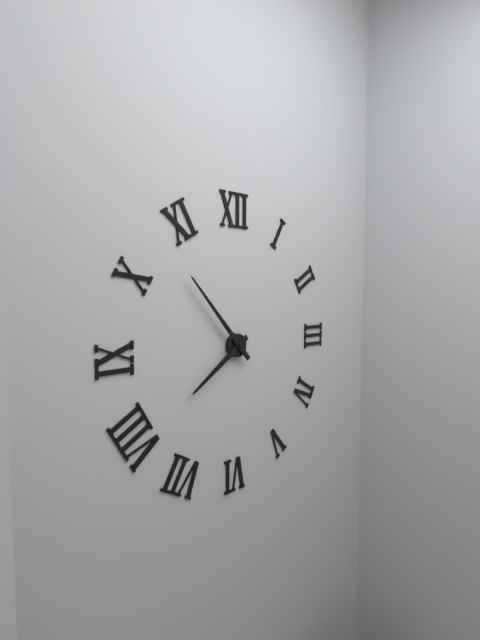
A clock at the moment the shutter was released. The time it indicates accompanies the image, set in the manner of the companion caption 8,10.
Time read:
7,53
